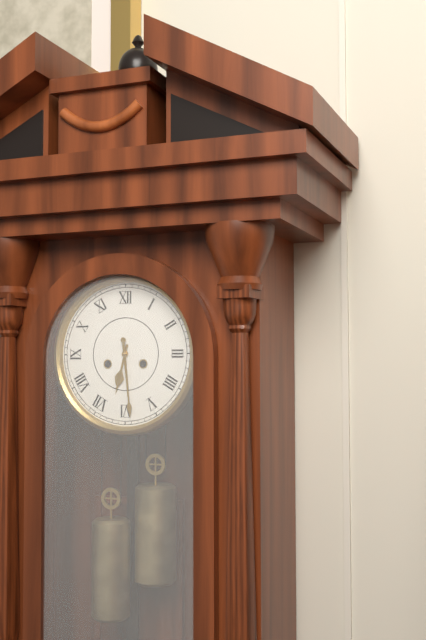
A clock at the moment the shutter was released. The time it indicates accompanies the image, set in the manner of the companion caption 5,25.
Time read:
6,29
